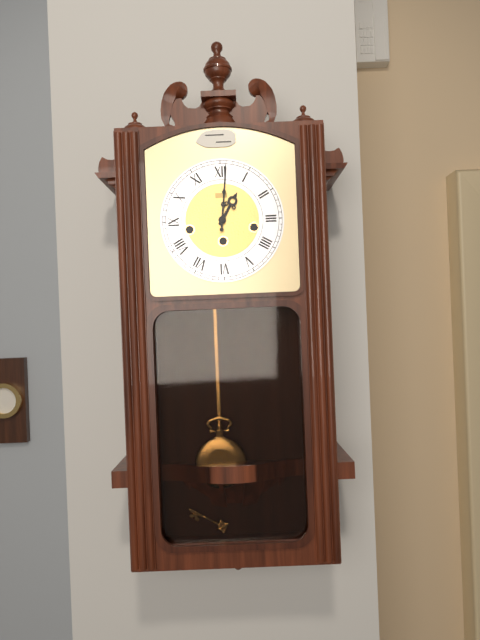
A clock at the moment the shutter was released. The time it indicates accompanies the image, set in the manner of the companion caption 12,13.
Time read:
1,01
